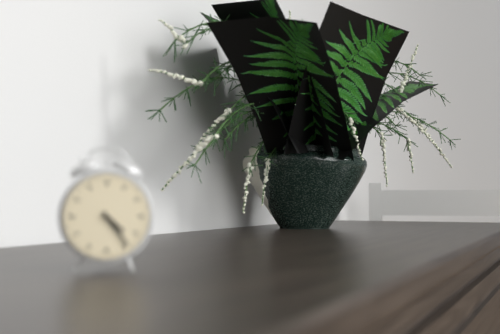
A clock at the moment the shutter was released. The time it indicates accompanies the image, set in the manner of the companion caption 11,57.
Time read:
4,24
